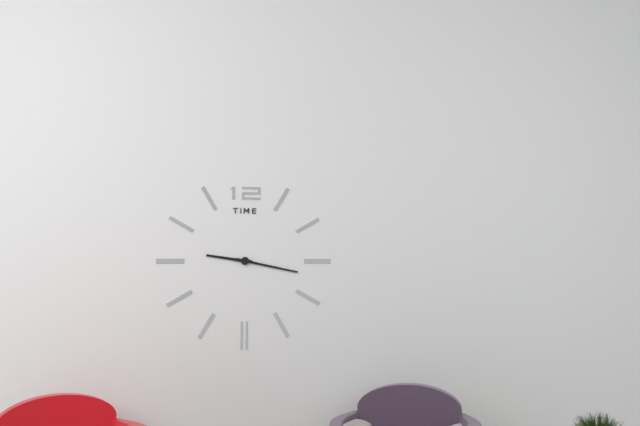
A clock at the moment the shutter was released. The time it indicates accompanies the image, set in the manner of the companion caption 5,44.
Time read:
9,17
